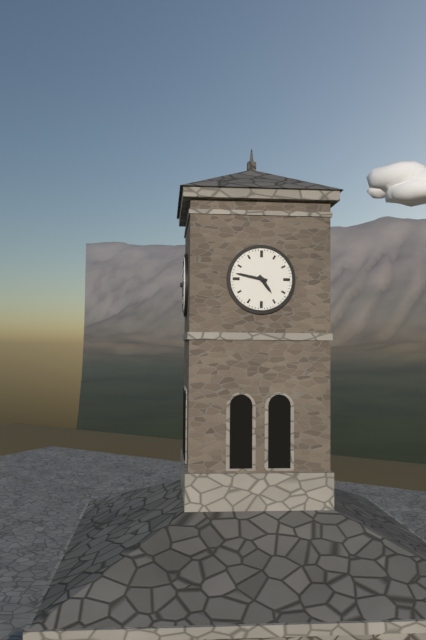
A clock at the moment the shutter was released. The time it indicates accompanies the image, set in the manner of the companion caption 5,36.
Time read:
4,47
